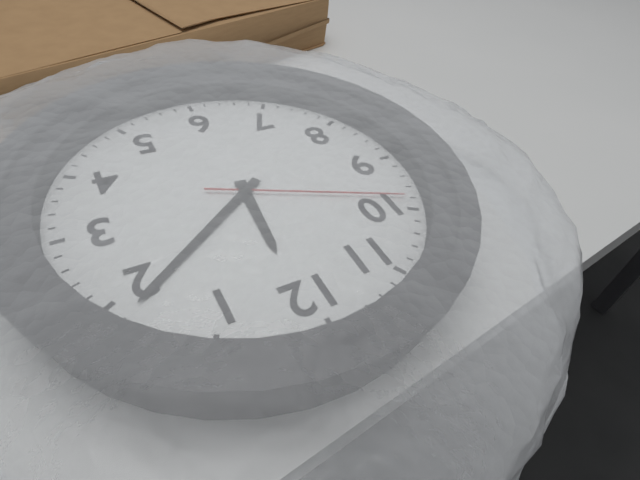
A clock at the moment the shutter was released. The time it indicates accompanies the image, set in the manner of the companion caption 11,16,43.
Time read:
12,09,49
